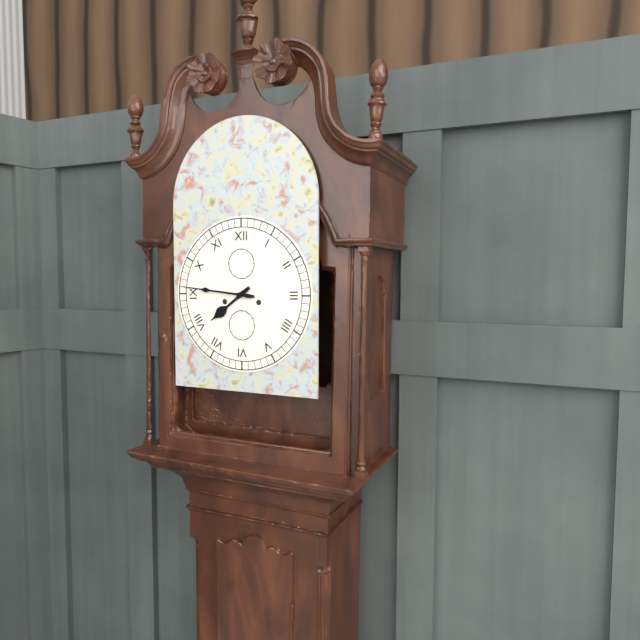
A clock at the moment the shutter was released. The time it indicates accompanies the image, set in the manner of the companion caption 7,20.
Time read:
7,46
